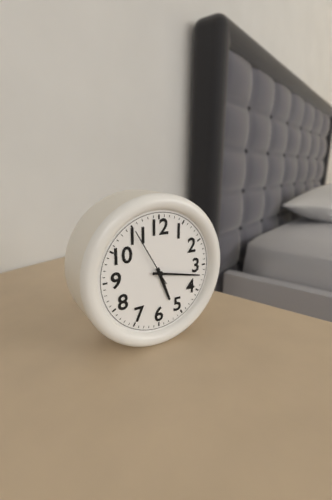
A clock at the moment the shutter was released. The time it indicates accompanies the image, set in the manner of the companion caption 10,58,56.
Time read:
5,17,55
